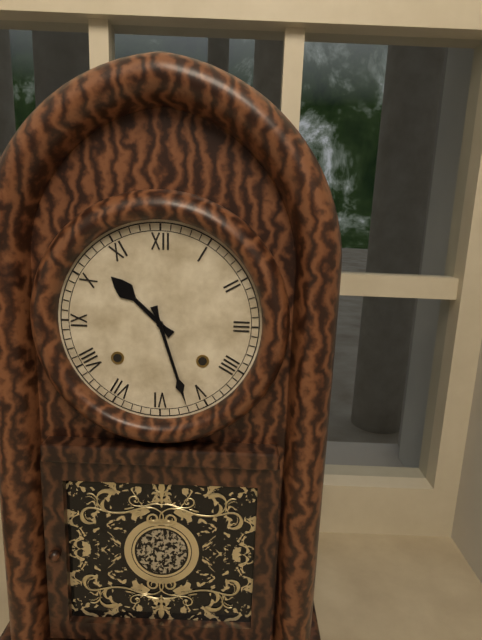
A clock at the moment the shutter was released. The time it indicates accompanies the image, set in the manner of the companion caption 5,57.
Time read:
10,27
